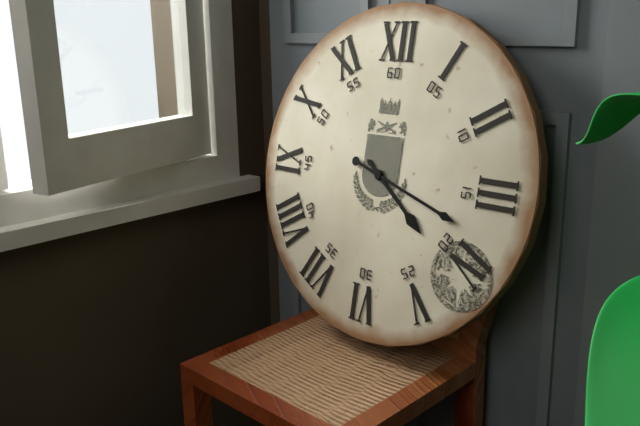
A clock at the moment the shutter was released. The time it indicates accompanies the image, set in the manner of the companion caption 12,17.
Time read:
4,18
